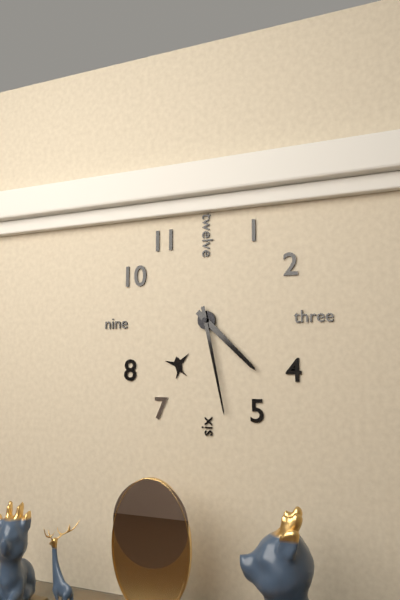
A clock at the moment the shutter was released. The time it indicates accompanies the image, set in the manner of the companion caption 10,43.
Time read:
4,28
